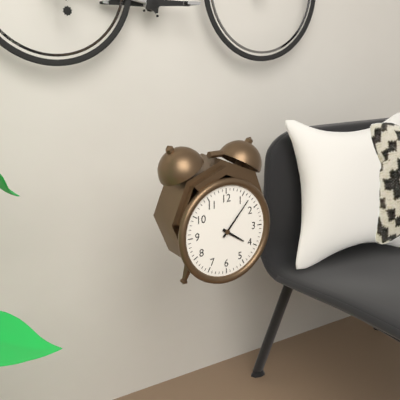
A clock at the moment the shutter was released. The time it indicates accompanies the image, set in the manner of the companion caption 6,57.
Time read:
4,07
